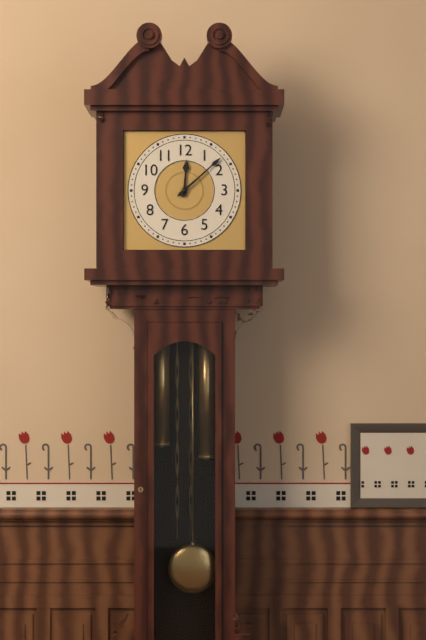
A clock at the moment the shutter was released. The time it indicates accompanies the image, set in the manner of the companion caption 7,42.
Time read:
12,08
